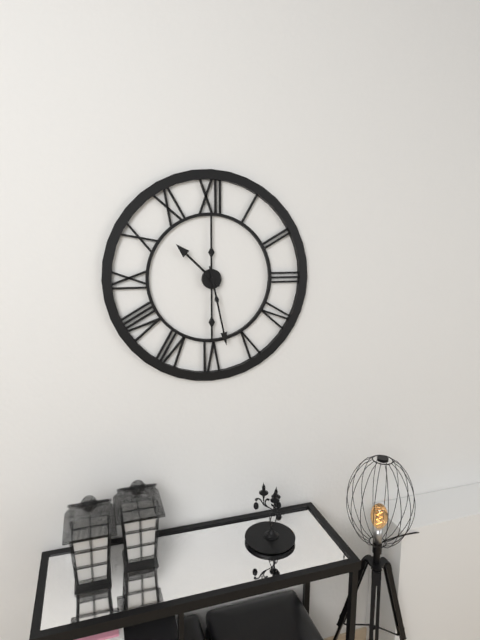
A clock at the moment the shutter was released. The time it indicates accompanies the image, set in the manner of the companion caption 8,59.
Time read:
10,28
